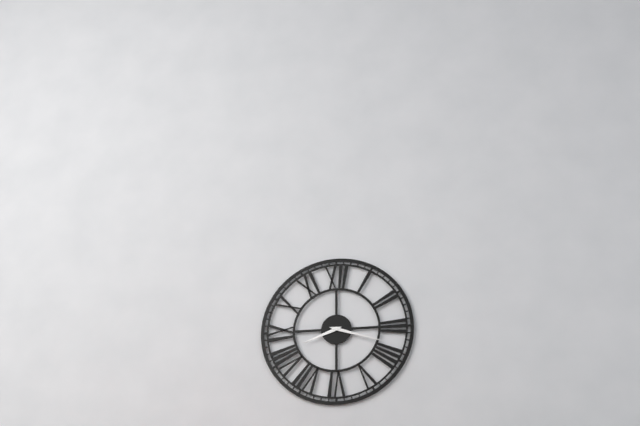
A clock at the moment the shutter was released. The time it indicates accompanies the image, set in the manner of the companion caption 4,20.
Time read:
8,18
